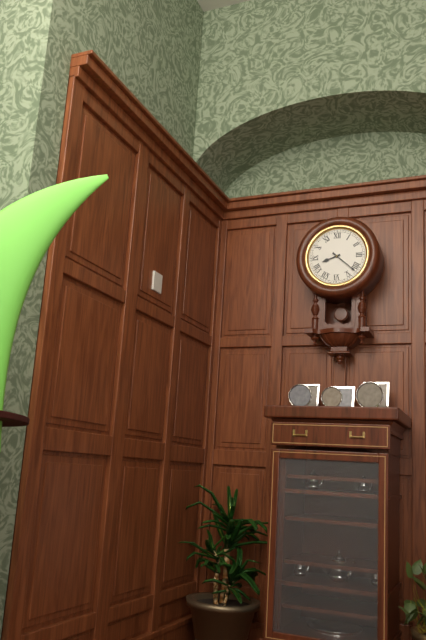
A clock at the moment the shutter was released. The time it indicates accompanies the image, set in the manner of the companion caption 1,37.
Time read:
8,22
